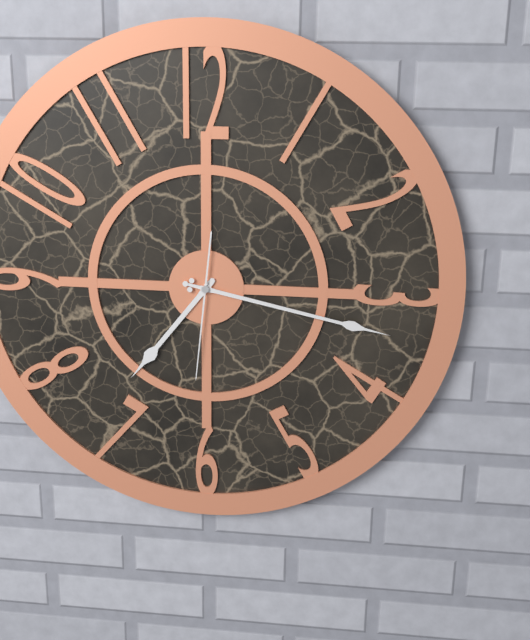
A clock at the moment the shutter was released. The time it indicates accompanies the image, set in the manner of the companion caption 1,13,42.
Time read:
7,17,31
